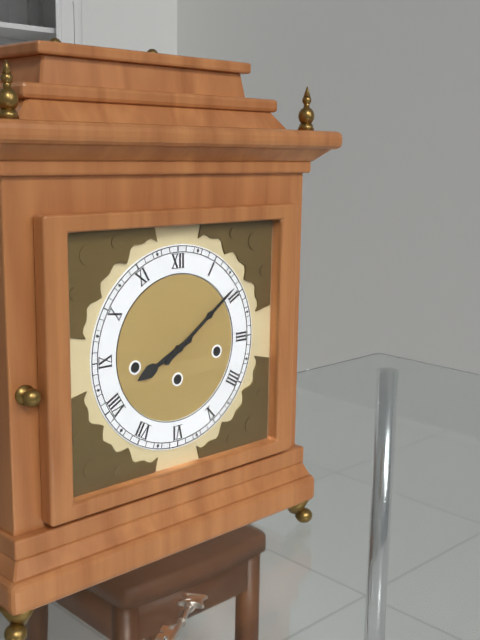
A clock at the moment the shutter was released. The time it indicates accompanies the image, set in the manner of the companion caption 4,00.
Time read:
8,09
